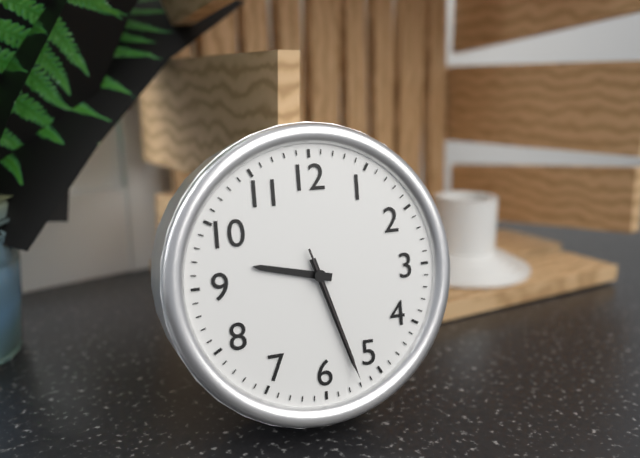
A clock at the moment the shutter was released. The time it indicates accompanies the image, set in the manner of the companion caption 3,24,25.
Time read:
9,27,27
